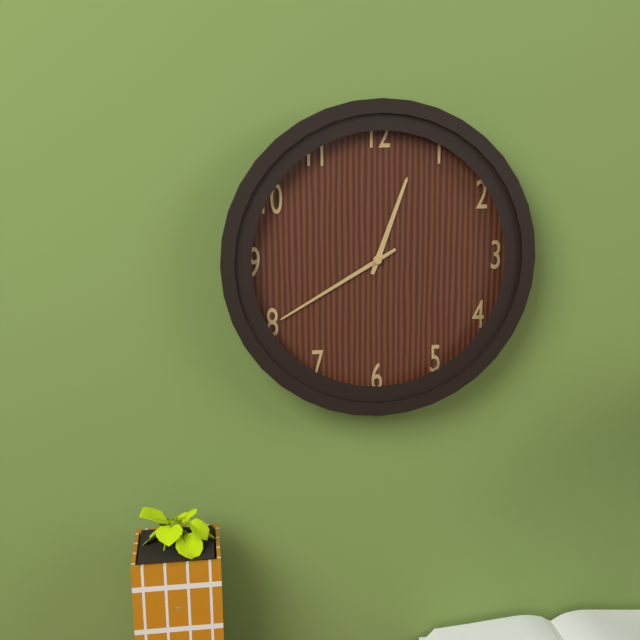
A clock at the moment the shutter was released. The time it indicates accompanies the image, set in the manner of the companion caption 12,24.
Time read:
12,40
